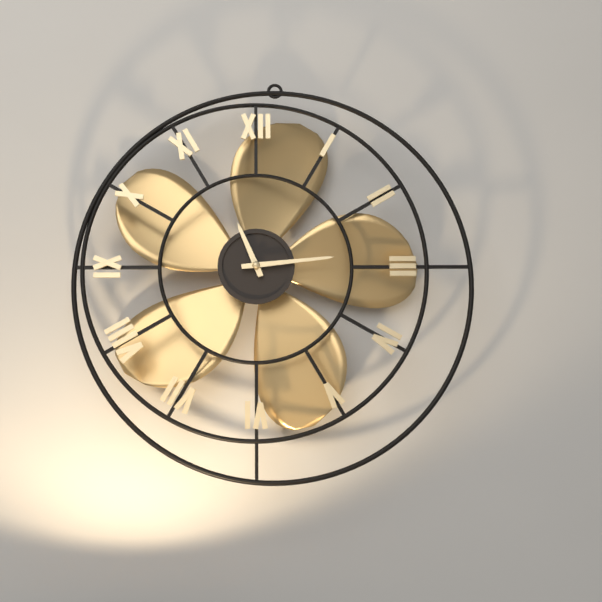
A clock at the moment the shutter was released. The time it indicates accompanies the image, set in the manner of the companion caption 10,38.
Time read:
11,14
